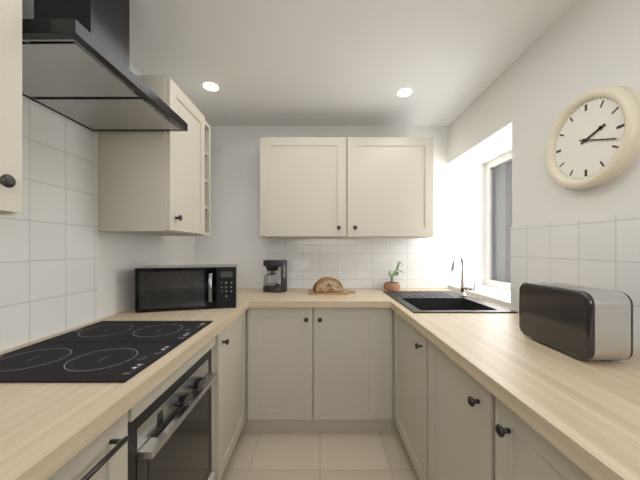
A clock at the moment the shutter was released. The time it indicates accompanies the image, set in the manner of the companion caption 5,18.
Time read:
2,18
